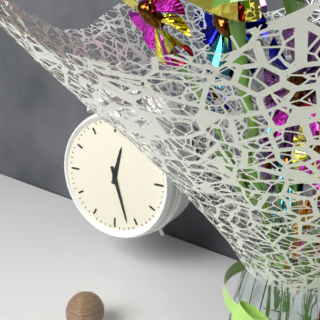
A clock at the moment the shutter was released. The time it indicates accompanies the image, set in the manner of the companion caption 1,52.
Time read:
12,27
